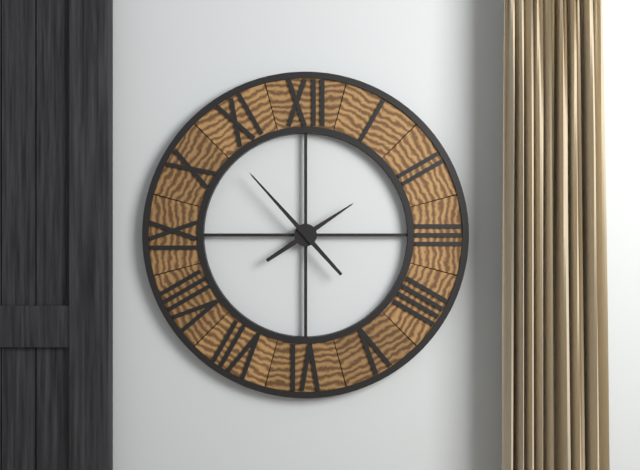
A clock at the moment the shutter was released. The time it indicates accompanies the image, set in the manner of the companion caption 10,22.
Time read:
1,53
